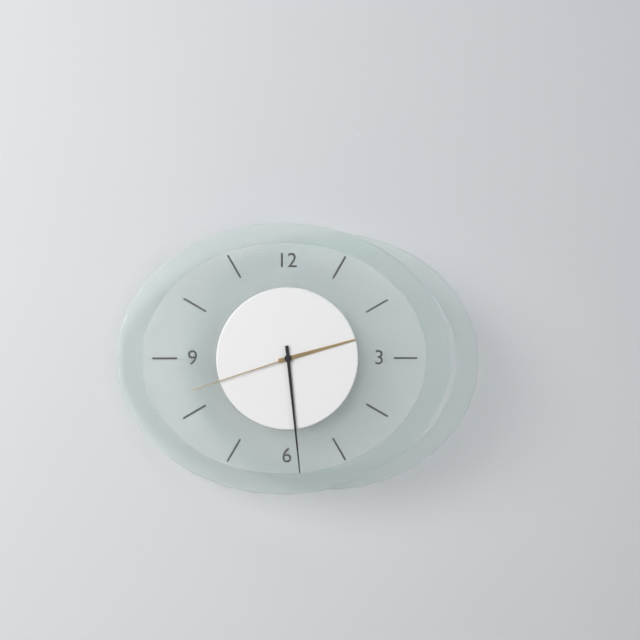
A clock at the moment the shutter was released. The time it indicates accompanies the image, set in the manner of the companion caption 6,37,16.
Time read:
2,29,42
